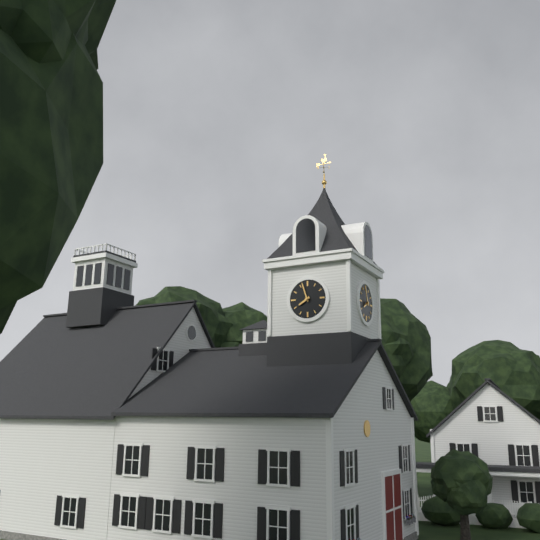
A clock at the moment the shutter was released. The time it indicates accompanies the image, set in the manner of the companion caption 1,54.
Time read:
7,57
